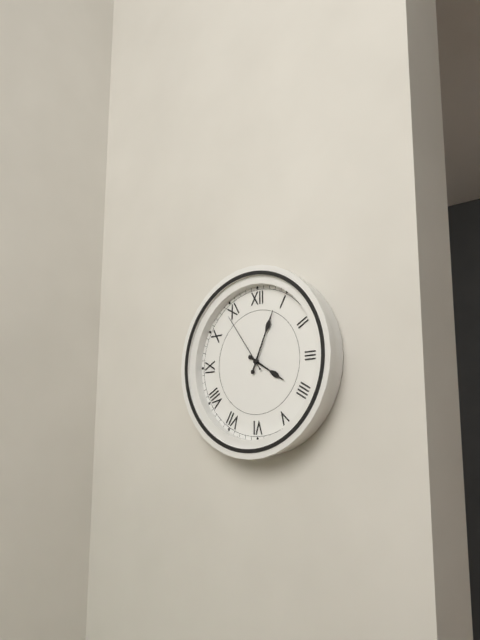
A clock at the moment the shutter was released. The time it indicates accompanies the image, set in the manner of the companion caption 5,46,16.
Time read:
4,04,54
